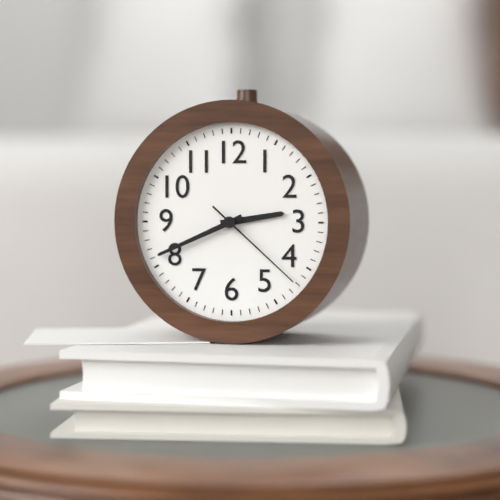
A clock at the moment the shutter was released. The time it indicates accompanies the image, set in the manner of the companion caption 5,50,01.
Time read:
2,41,22
